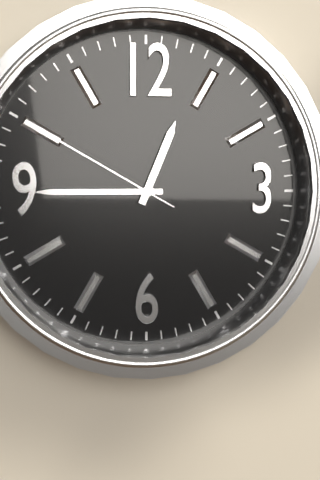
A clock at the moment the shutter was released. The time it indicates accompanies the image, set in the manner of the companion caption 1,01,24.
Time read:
12,45,50
